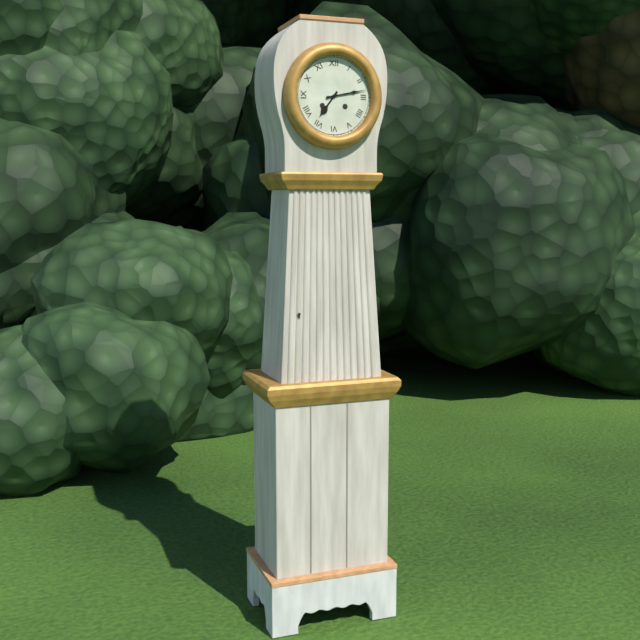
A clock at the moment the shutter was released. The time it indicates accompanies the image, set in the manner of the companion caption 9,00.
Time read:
7,13
